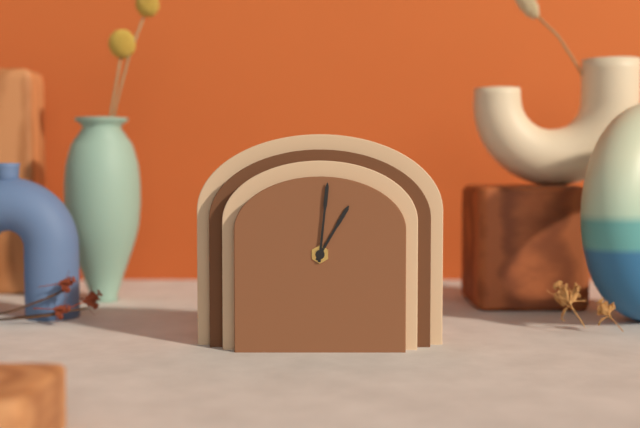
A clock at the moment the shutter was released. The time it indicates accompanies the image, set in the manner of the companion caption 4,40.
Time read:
1,01
